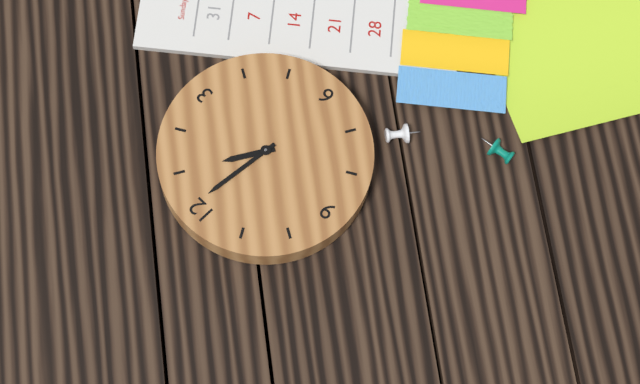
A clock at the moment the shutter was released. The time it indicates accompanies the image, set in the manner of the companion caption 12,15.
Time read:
1,01
